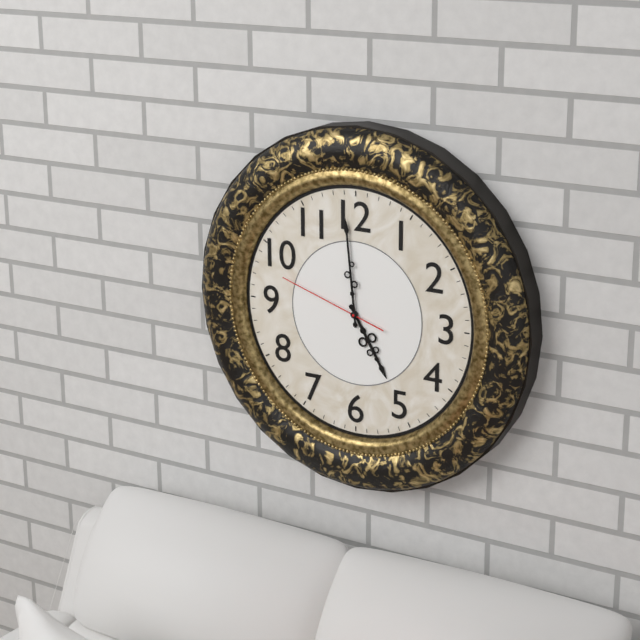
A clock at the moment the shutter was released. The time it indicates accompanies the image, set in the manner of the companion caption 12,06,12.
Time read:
4,59,48
